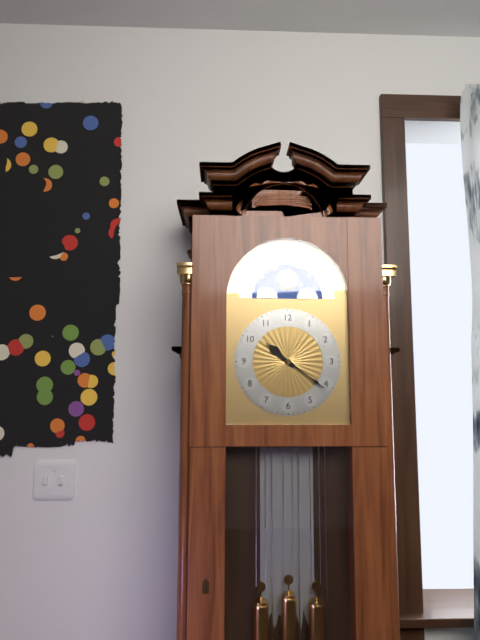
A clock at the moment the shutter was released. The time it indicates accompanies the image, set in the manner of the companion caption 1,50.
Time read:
10,21
